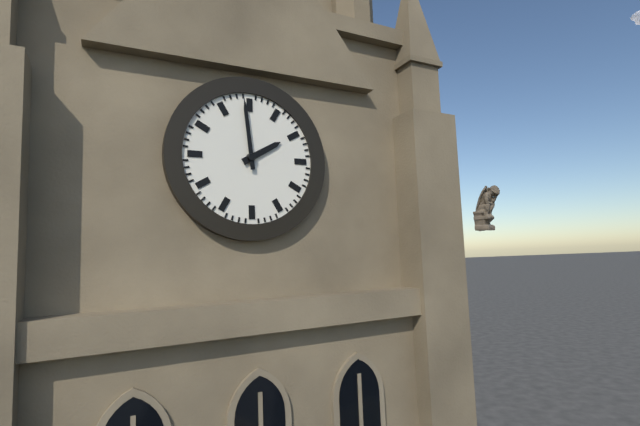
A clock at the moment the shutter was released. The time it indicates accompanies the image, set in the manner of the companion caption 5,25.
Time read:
1,59
